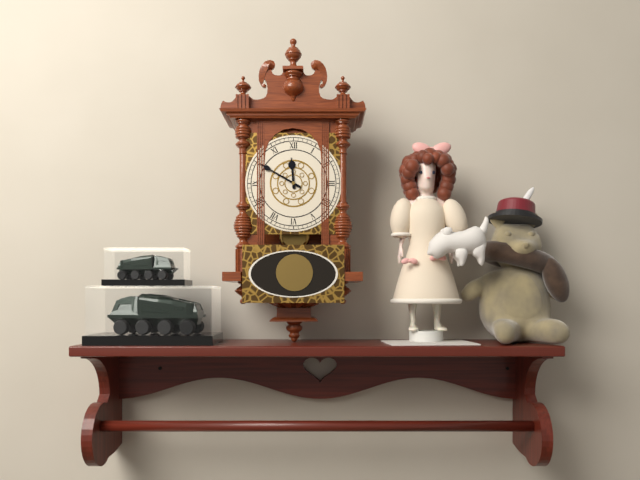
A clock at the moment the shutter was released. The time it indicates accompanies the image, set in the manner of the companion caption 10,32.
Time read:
11,50
